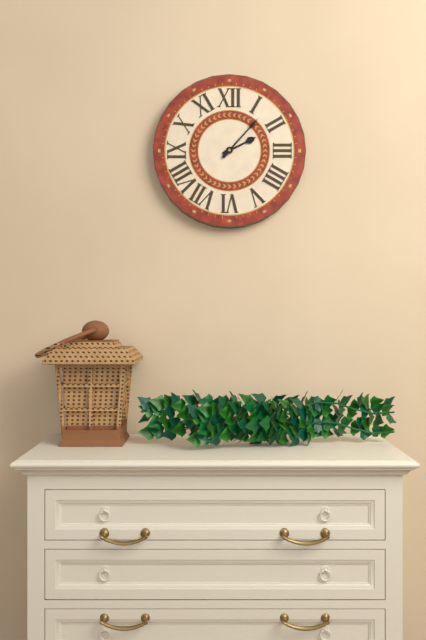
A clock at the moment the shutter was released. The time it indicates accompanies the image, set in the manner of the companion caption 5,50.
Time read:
2,07
